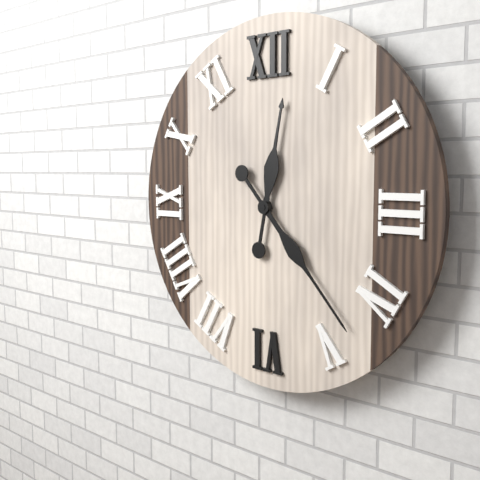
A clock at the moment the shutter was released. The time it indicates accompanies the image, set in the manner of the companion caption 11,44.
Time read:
12,23
